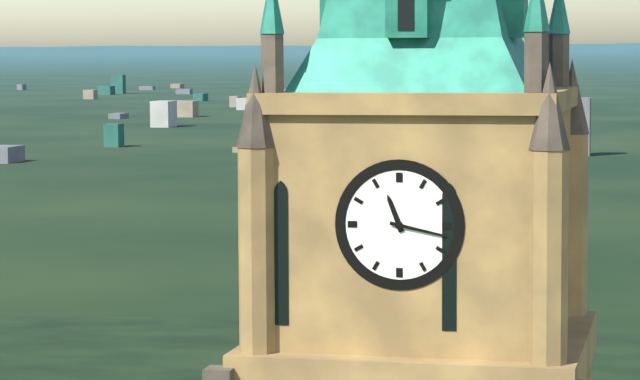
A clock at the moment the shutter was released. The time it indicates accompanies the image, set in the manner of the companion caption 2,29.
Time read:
11,17
